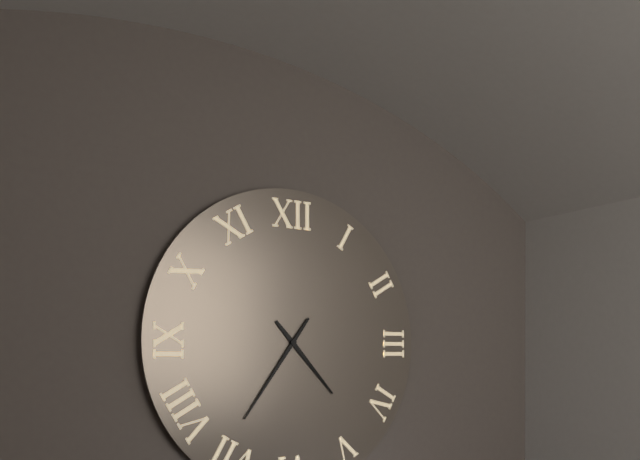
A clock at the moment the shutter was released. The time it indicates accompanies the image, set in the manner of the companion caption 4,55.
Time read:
4,36
